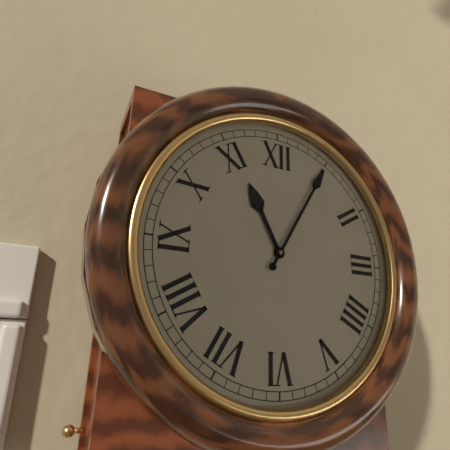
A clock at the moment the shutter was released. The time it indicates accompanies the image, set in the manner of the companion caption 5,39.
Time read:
11,05
